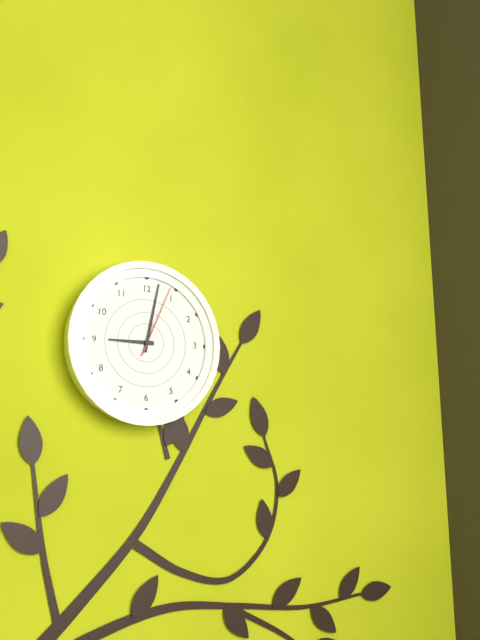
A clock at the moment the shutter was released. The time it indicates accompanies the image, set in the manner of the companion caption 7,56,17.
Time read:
9,02,04
